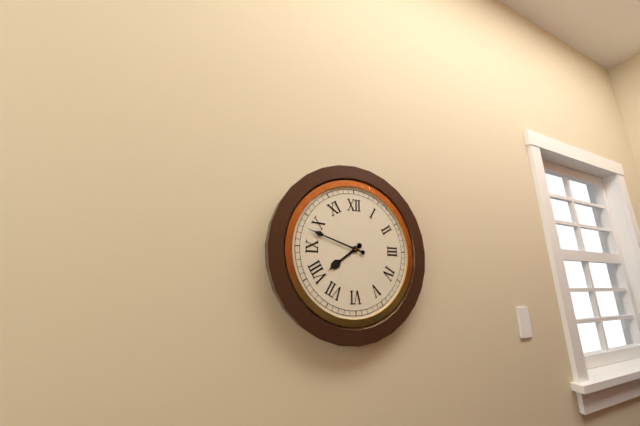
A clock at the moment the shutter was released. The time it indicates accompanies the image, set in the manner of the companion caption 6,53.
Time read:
7,48
